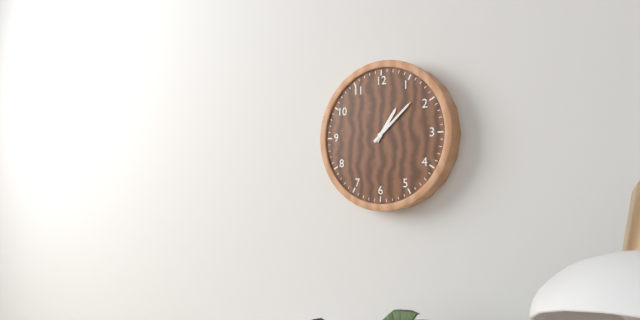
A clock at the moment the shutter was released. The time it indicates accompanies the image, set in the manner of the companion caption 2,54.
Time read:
1,08
